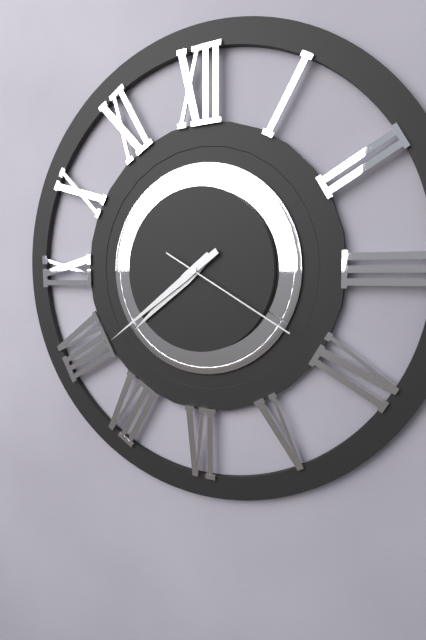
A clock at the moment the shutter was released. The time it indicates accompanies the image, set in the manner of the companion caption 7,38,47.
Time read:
7,39,20
